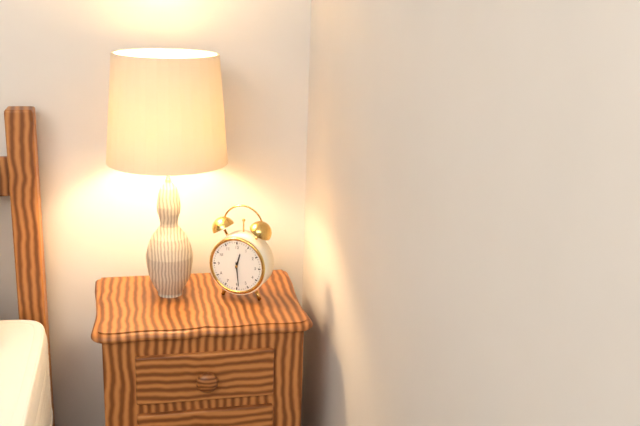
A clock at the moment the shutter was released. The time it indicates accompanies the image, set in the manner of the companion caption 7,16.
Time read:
12,29
